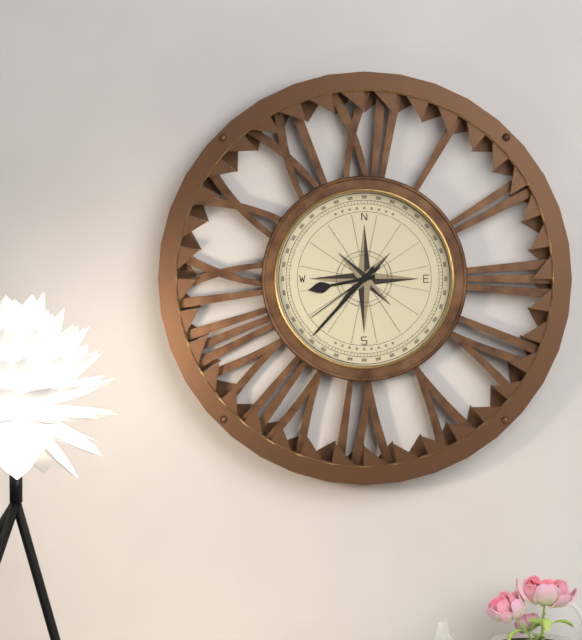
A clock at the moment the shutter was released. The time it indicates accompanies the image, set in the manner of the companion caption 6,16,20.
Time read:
8,37,39
